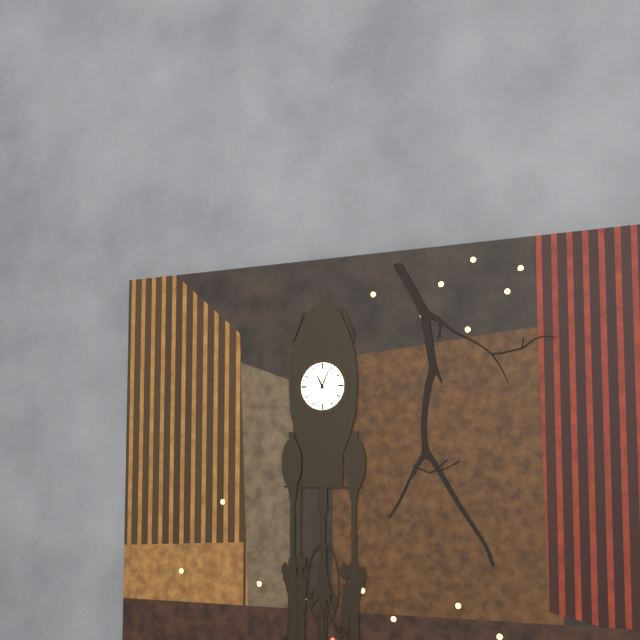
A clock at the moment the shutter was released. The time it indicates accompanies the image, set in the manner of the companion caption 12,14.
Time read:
11,04
